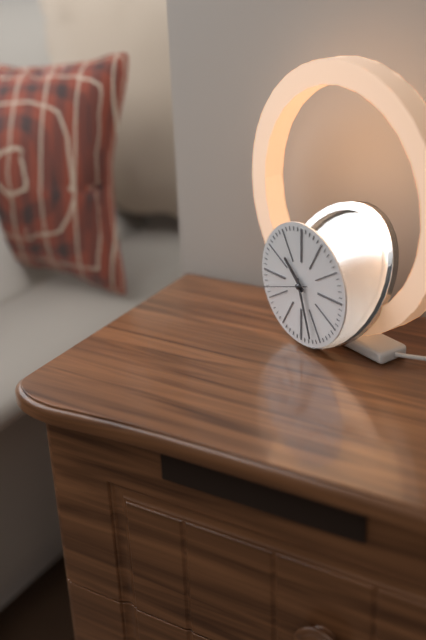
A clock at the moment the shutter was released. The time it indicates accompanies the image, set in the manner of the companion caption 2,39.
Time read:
10,27
